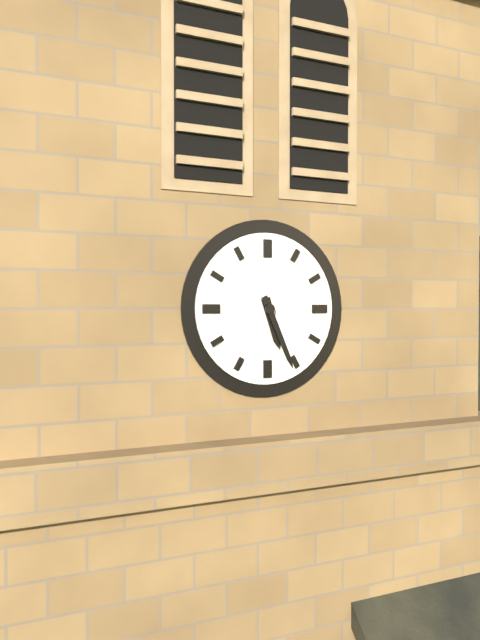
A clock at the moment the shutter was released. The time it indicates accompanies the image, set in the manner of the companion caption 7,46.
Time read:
5,26
